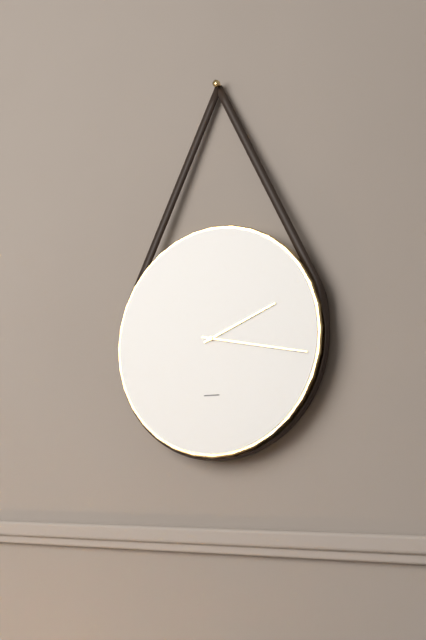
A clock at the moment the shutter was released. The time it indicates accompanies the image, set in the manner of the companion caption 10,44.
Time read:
2,17
